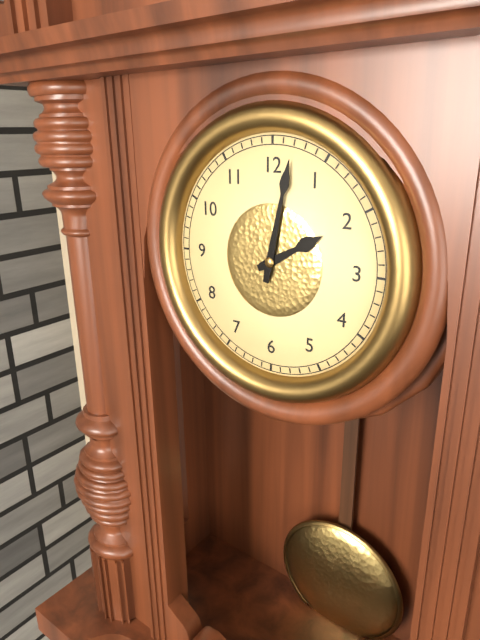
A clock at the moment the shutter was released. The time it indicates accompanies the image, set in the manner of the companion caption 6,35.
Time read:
2,02
